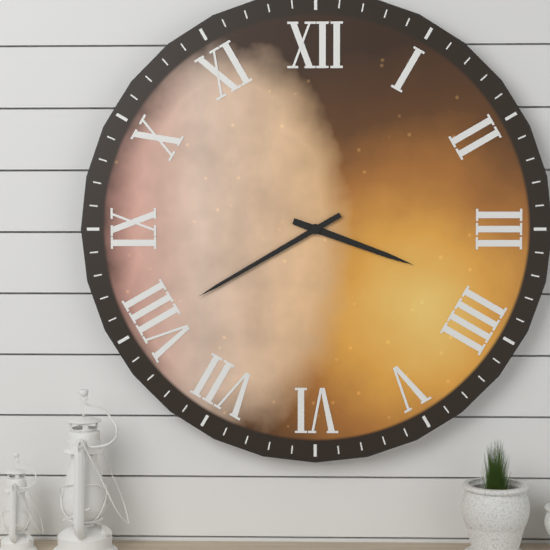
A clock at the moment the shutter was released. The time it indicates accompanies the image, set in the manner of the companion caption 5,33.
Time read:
3,40
